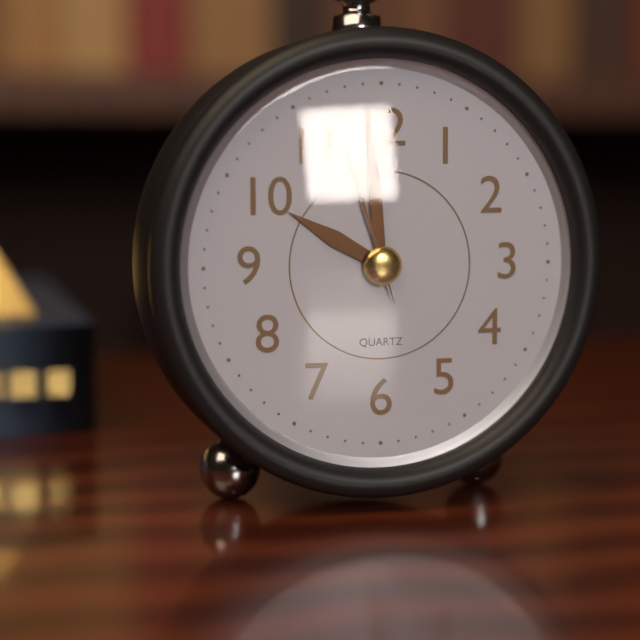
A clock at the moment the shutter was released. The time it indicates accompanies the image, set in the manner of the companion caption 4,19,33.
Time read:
9,59,57
